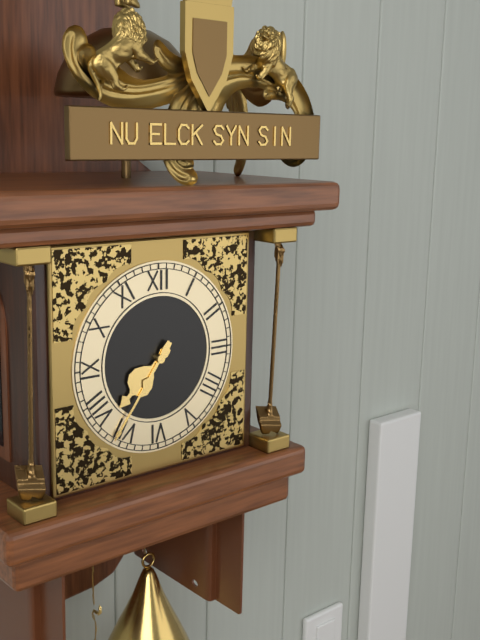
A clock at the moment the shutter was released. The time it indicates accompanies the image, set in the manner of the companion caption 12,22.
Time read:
7,36
